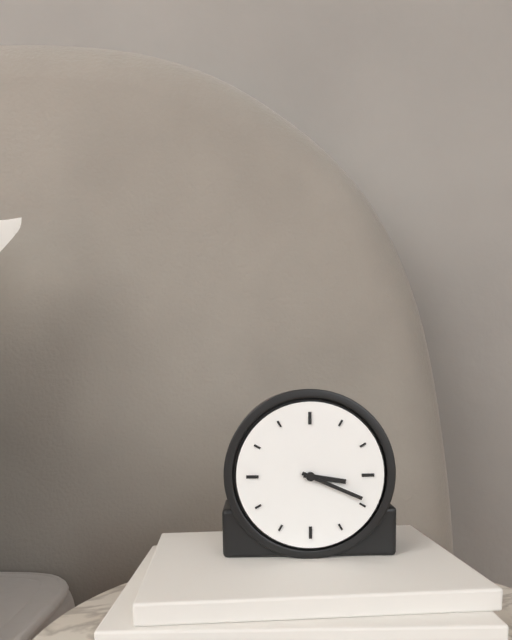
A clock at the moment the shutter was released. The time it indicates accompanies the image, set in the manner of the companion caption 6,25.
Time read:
3,19
